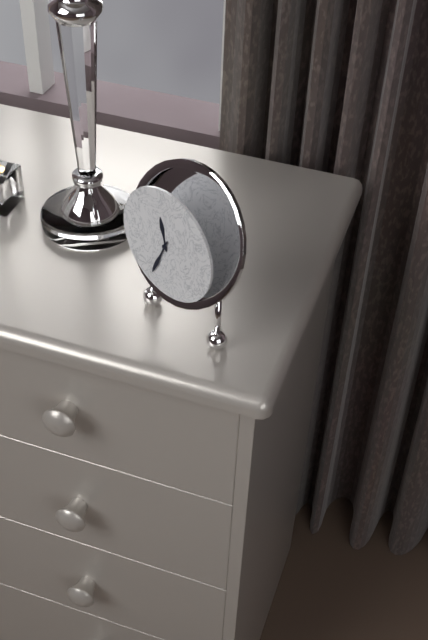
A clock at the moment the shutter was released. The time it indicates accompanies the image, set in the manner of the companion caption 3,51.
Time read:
11,34
